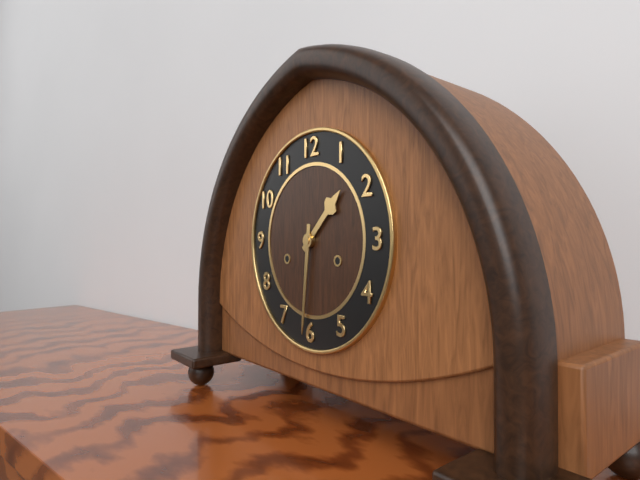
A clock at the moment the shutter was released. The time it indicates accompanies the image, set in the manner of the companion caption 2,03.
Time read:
1,31
